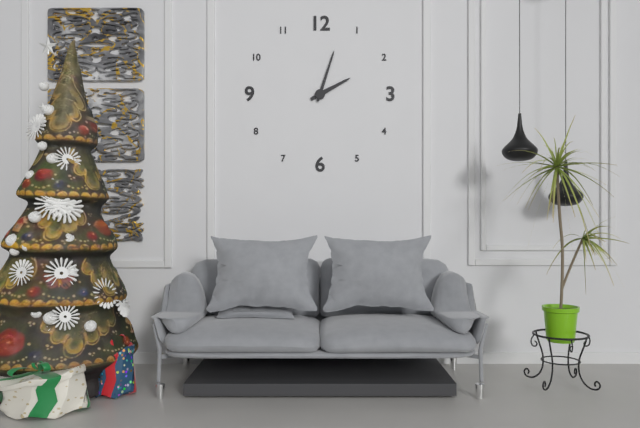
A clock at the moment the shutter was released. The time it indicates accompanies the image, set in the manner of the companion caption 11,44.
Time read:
2,03
